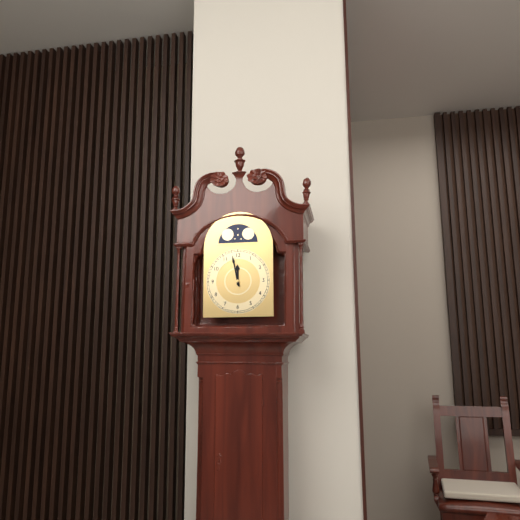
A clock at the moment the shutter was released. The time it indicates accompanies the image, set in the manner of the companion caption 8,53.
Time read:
11,58
